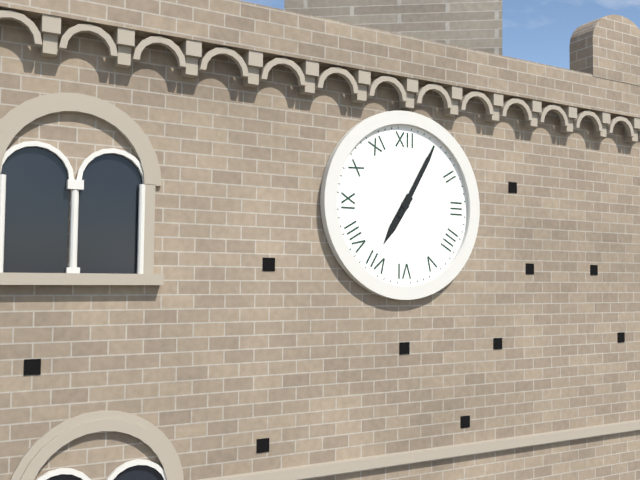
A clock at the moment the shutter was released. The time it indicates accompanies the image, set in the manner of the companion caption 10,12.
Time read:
7,05
